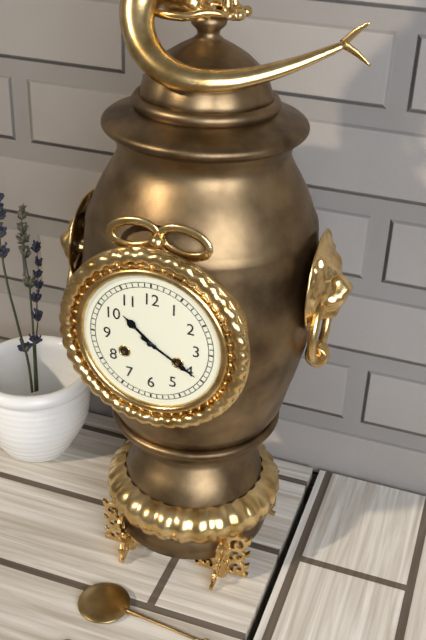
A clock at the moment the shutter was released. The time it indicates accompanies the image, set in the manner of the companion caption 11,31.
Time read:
10,20
